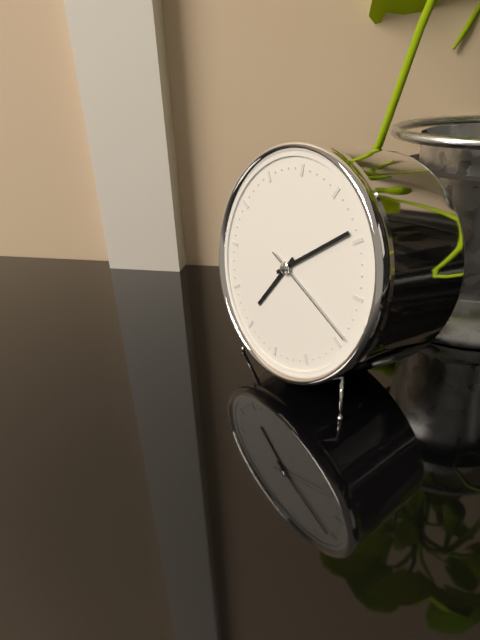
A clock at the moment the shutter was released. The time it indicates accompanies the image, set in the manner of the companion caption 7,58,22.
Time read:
7,09,19
